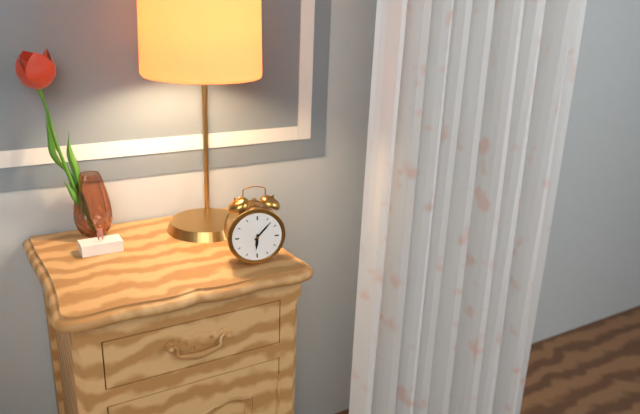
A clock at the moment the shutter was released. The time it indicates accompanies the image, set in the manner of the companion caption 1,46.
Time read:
6,07
